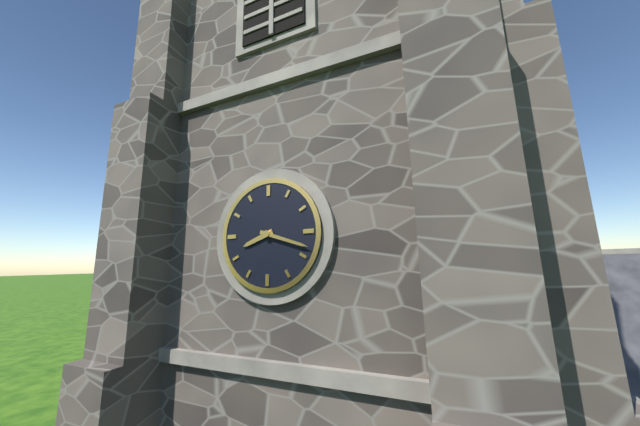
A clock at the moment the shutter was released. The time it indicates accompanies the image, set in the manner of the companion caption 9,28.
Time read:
8,18
